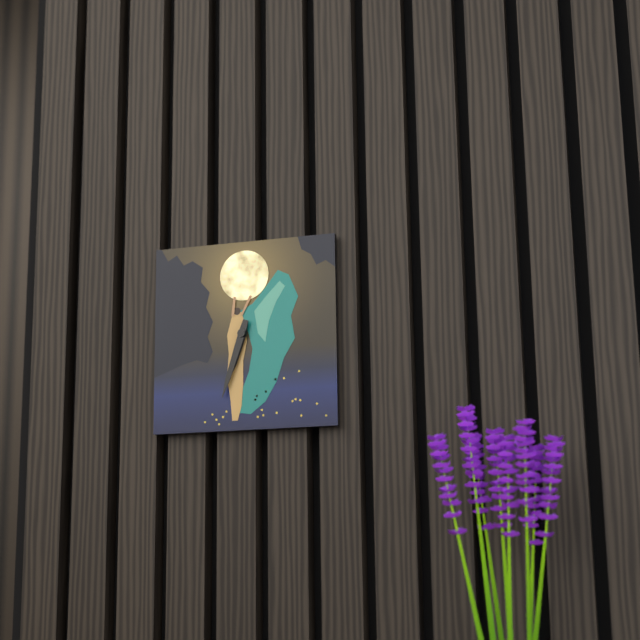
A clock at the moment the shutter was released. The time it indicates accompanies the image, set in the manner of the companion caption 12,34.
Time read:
6,33
